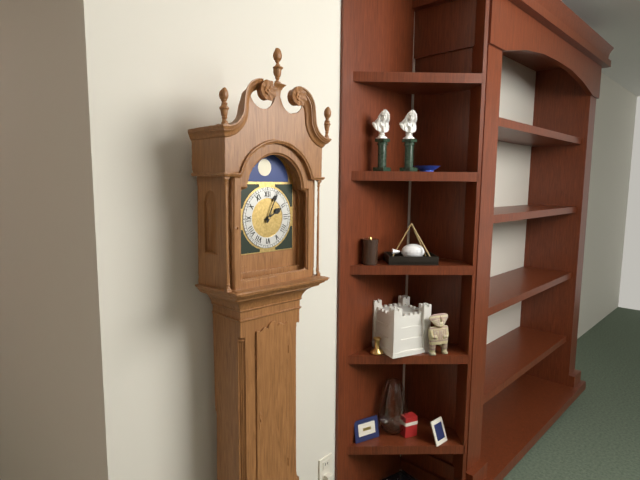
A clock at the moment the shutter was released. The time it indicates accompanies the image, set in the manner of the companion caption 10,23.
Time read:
2,04
